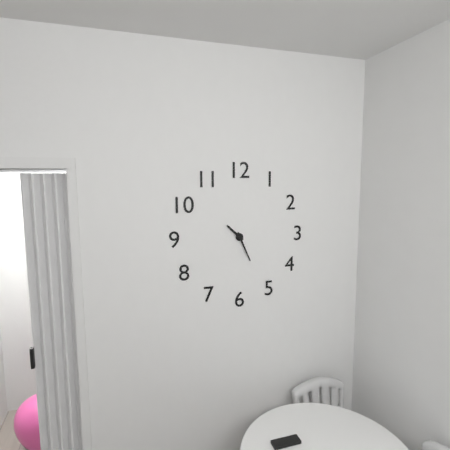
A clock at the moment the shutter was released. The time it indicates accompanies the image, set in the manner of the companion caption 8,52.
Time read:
10,26
